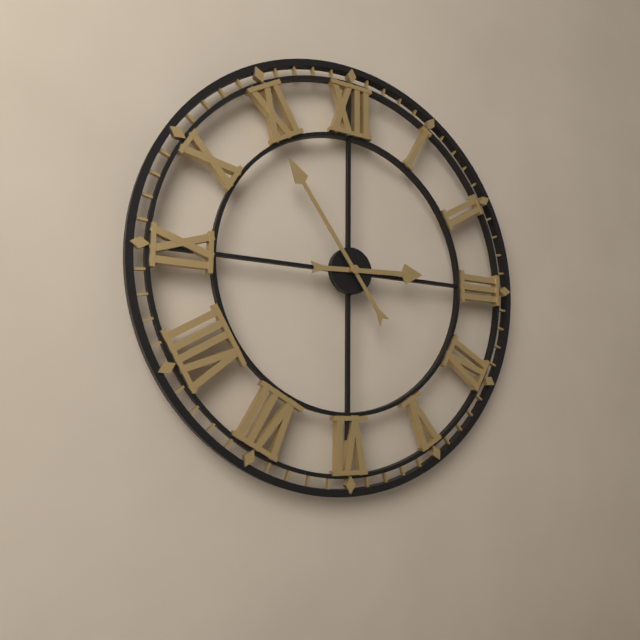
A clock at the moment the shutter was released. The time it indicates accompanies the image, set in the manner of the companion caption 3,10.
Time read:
2,54
